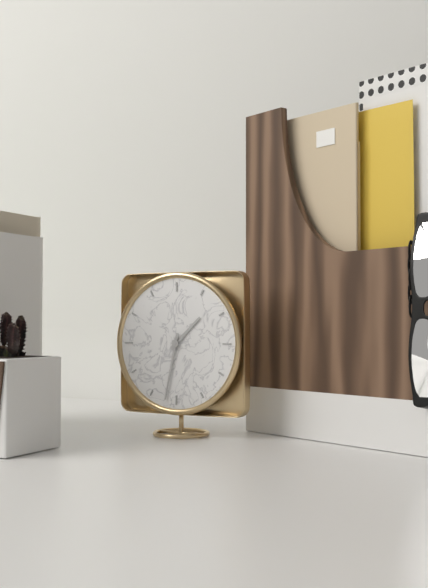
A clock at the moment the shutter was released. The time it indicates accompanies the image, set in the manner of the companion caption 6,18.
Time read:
1,32
